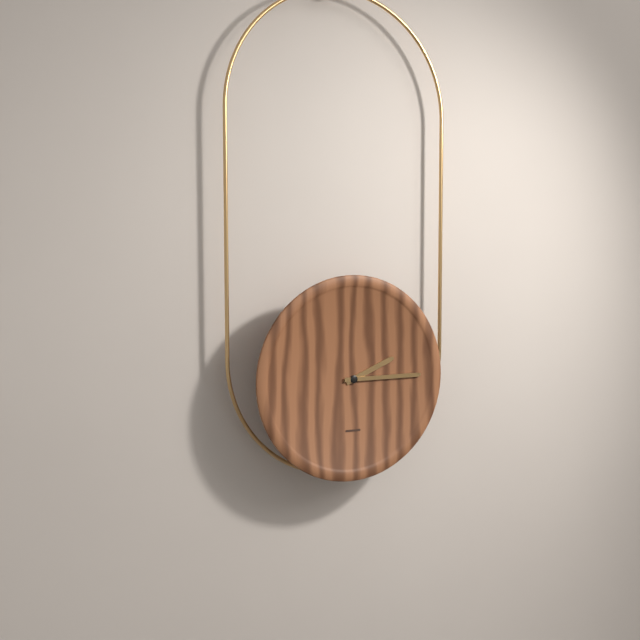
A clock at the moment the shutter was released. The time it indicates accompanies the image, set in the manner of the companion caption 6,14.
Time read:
2,15
